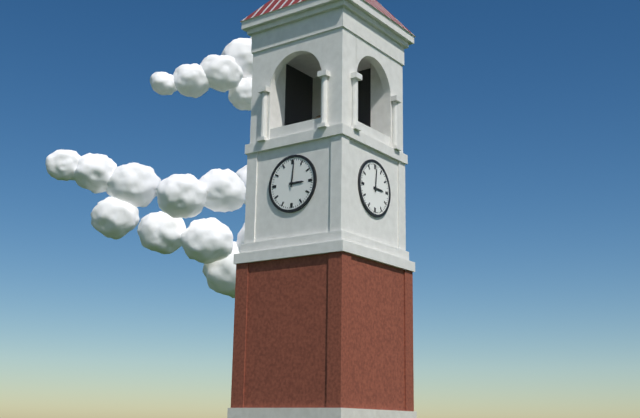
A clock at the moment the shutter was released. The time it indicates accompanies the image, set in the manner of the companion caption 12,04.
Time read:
3,01
